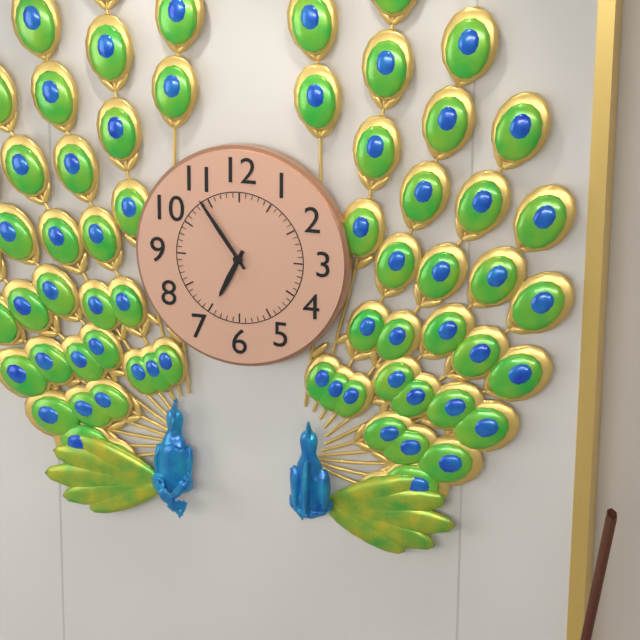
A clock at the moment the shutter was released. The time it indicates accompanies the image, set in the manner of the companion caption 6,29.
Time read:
6,54
